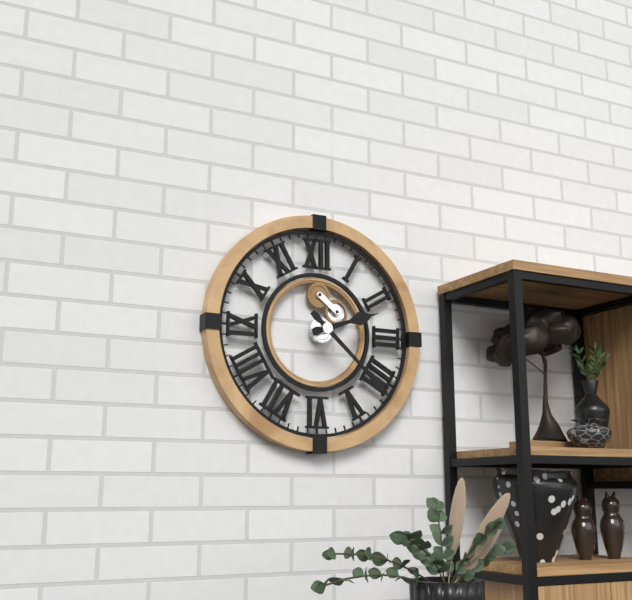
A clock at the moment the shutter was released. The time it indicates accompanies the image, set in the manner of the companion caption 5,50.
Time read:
2,22
